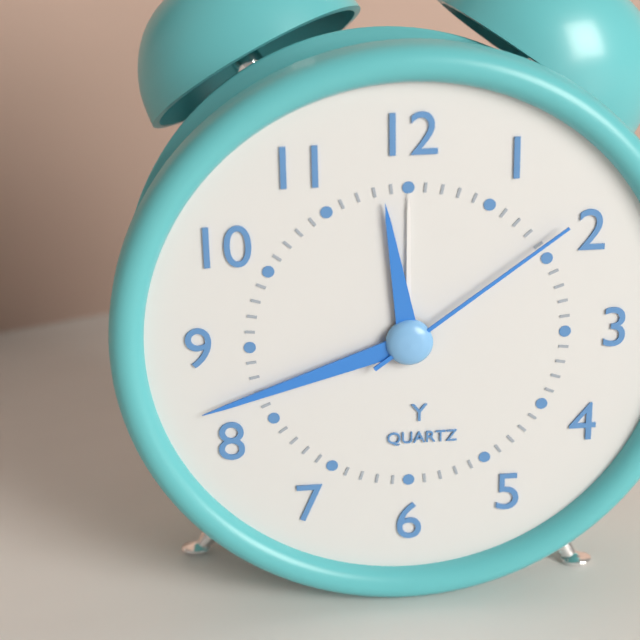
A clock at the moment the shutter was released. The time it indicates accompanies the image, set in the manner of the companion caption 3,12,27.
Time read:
11,42,09
